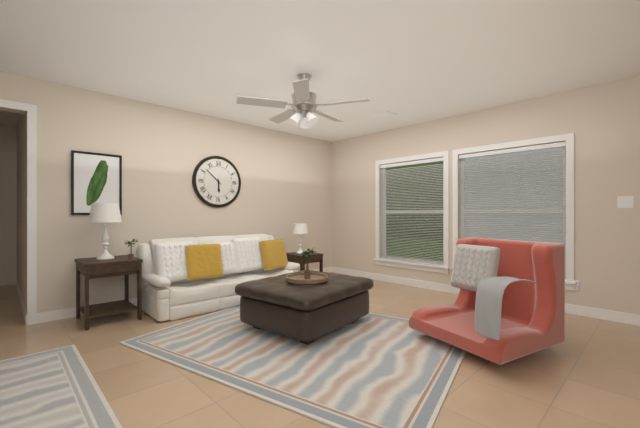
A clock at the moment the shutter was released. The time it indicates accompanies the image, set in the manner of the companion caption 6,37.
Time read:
5,52
